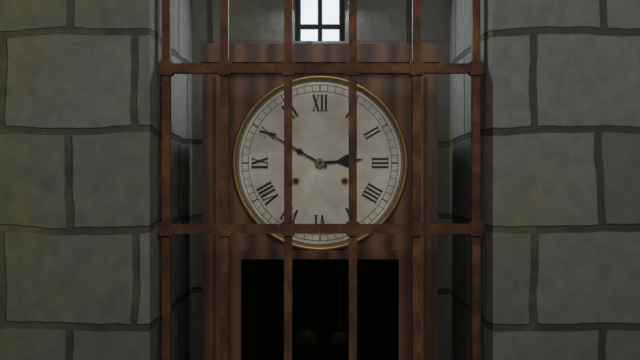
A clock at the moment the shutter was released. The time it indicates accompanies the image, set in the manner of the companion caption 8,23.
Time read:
2,50
